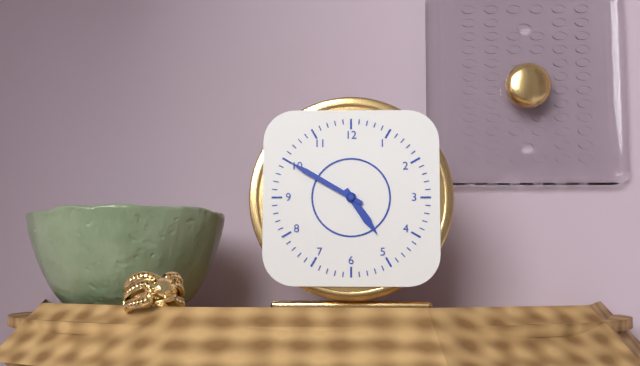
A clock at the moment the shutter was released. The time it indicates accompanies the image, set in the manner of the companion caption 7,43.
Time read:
4,50
